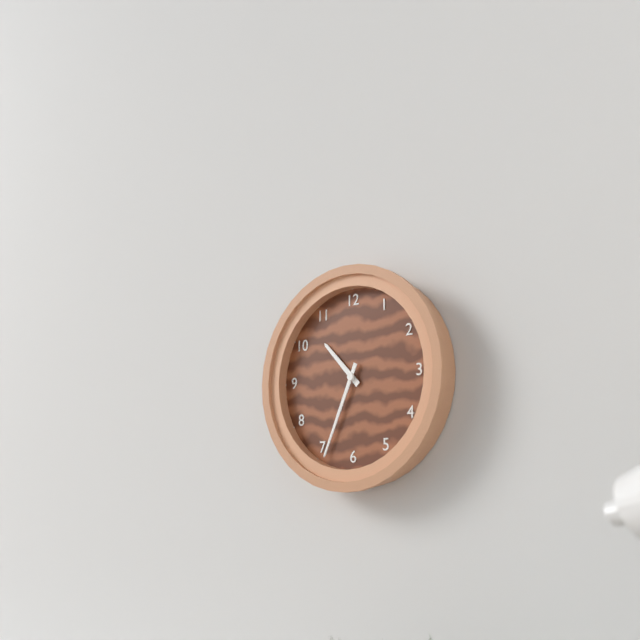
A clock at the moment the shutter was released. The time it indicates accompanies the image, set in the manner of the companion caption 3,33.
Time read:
10,34
